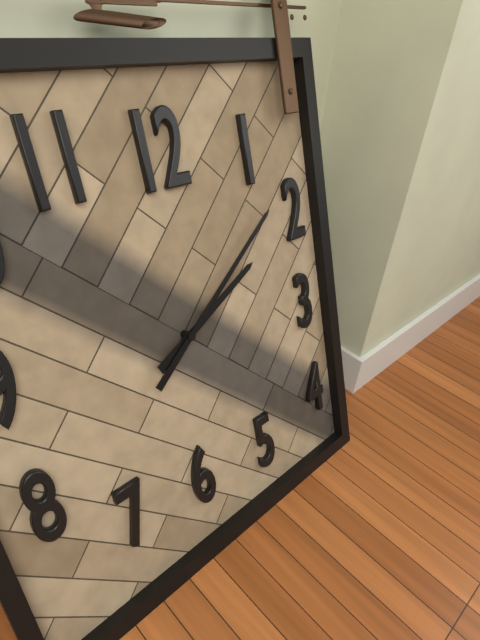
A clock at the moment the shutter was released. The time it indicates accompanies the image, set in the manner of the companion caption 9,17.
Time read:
2,09
